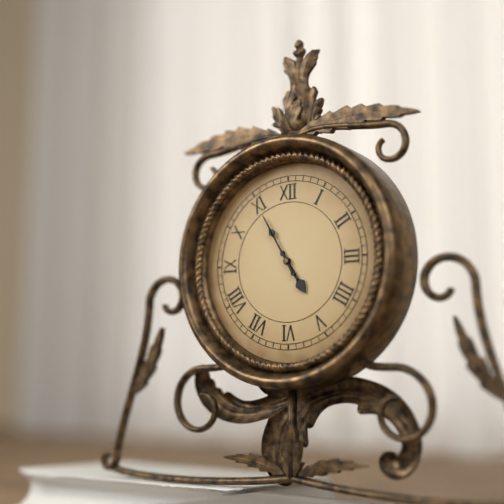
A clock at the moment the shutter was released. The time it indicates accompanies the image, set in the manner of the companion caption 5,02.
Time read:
4,55
